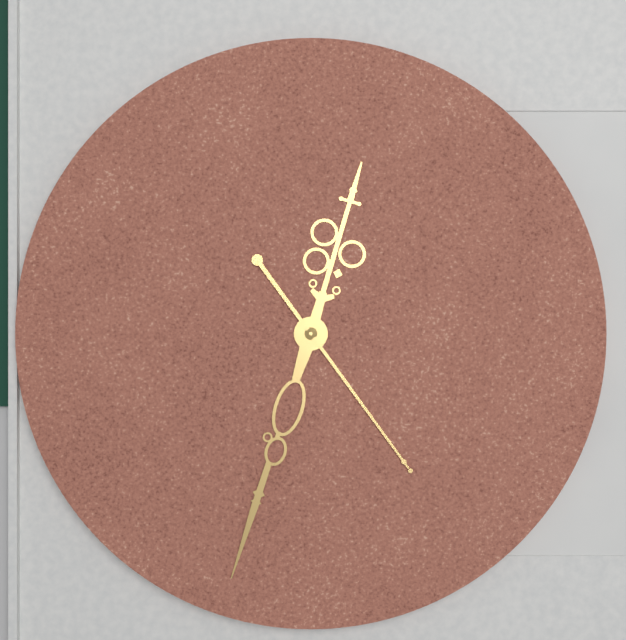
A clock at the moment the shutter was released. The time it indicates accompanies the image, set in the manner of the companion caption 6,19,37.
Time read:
12,33,24
